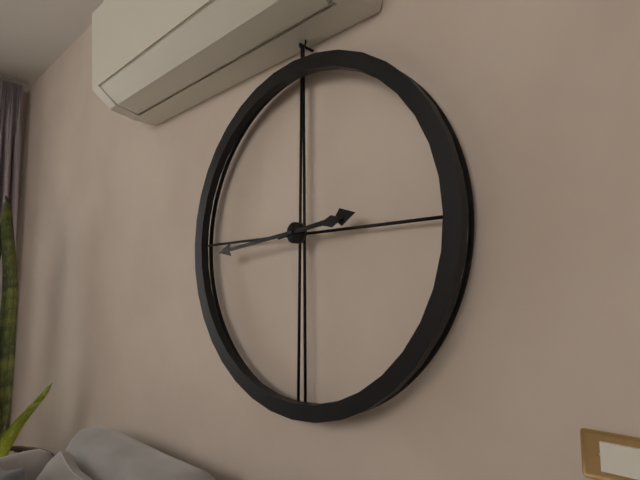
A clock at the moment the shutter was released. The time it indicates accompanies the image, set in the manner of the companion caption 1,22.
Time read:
2,44
